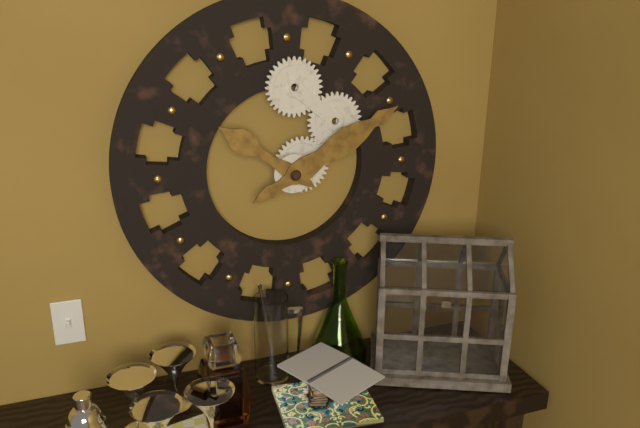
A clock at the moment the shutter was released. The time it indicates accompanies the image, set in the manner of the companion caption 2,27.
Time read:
10,10
